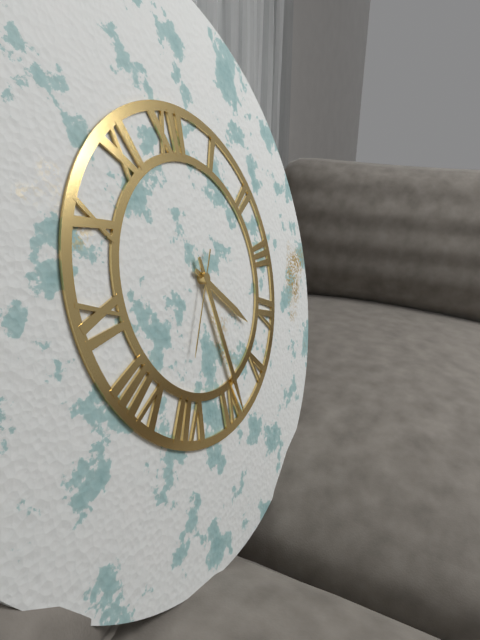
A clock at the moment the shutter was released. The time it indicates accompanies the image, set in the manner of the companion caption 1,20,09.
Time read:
4,29,36
